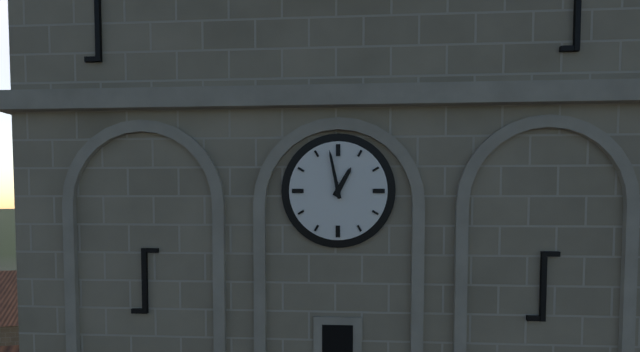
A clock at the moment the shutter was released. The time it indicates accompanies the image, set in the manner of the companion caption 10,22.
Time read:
12,58
